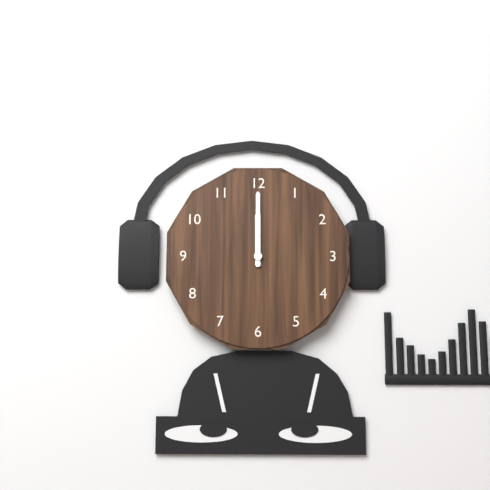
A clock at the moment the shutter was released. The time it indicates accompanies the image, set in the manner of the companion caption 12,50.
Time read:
12,00
